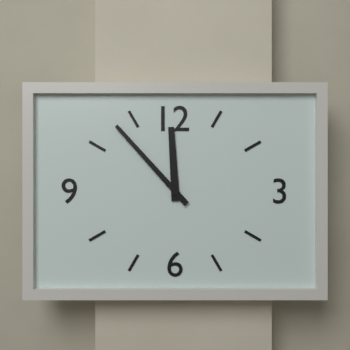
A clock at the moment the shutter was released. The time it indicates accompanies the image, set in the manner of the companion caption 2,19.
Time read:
11,53
